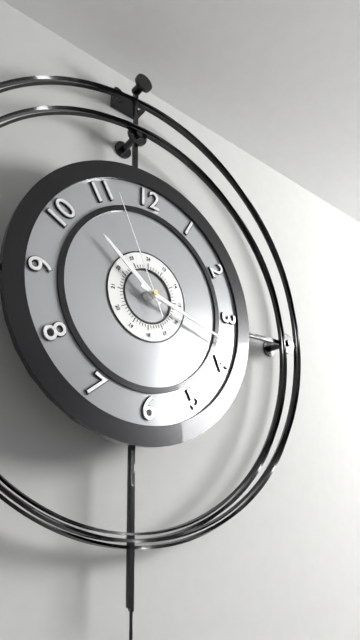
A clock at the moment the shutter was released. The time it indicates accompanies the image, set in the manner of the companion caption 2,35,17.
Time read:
10,18,56
